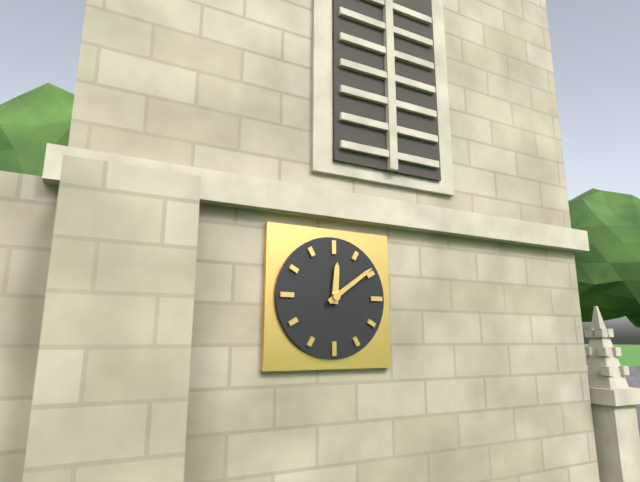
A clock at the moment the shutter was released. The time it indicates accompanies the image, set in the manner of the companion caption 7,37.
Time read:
12,09
